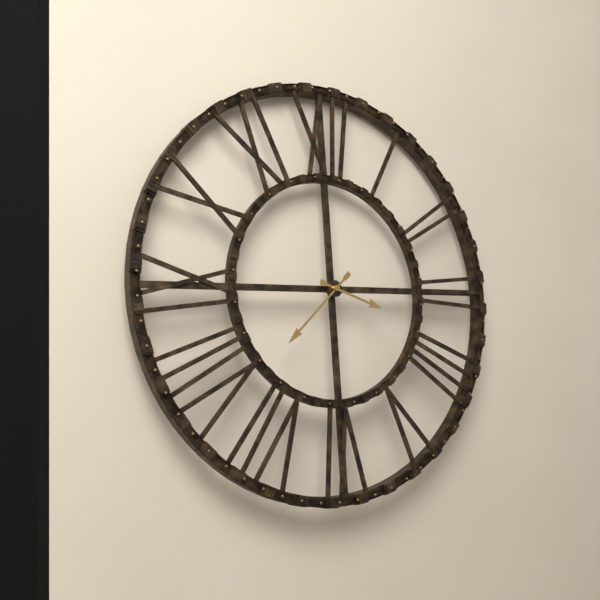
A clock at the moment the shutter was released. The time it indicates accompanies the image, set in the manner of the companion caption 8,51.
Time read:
3,38
